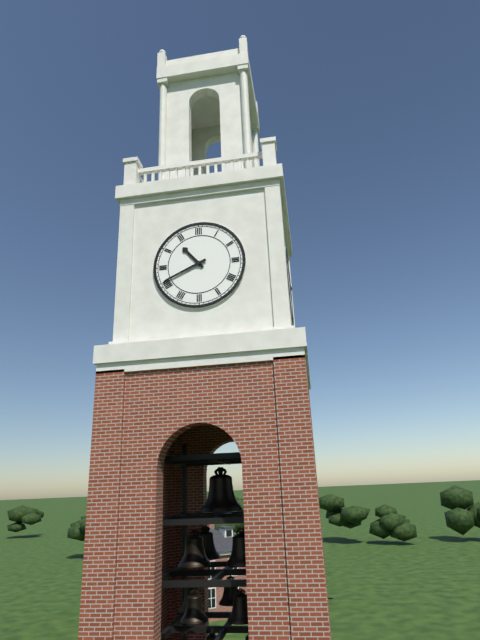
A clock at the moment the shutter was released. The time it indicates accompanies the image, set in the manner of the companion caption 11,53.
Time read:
10,41
